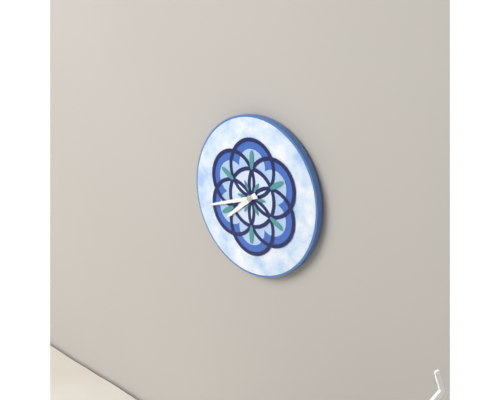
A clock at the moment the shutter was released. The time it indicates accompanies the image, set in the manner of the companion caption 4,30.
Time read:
7,42
